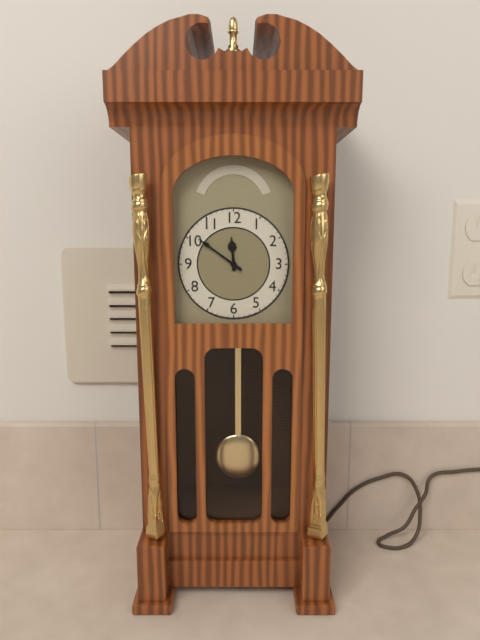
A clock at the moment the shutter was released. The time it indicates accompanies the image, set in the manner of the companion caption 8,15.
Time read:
11,51
